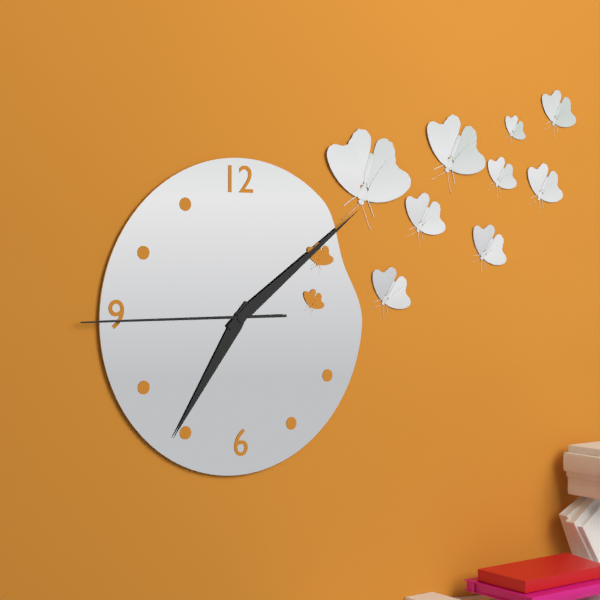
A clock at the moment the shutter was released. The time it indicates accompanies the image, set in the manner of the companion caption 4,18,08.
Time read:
7,09,45
